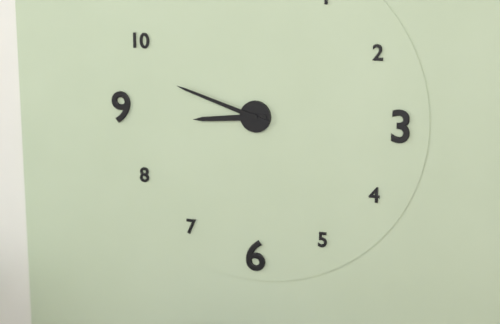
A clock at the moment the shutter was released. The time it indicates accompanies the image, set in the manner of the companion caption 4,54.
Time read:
8,48
